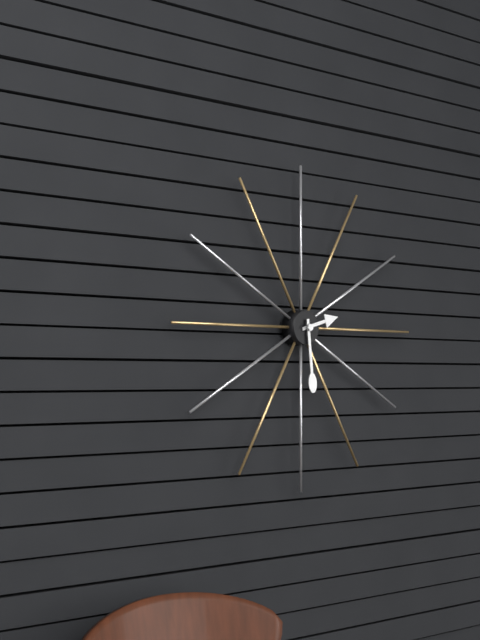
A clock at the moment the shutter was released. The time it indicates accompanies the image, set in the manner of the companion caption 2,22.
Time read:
2,29
